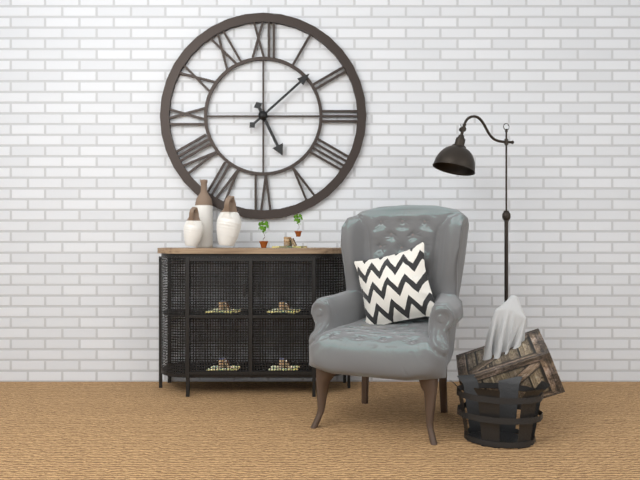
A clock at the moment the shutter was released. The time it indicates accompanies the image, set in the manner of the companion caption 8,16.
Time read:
5,08
